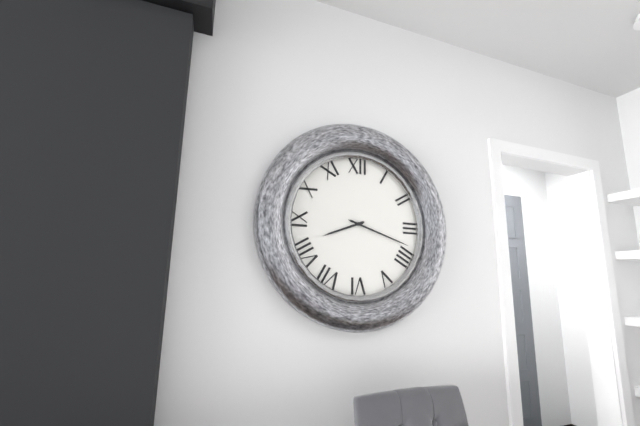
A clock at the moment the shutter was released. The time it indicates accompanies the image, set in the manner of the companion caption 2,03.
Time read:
8,18
